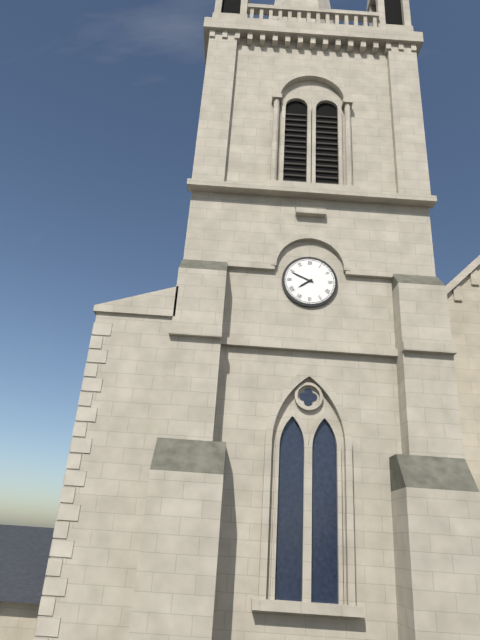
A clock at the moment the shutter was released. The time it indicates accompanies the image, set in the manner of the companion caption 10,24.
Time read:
7,49
